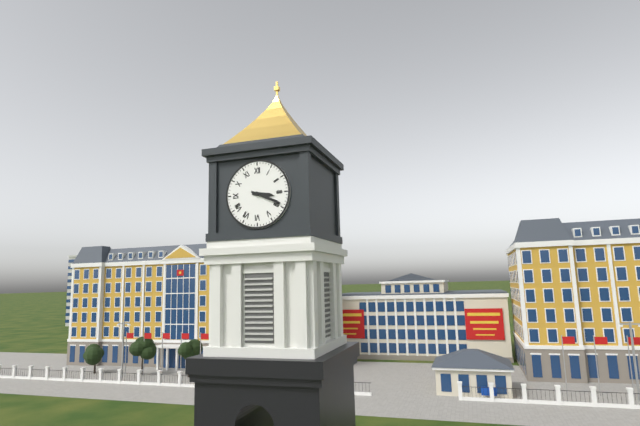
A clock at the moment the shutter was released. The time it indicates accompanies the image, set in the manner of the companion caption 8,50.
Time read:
3,19
